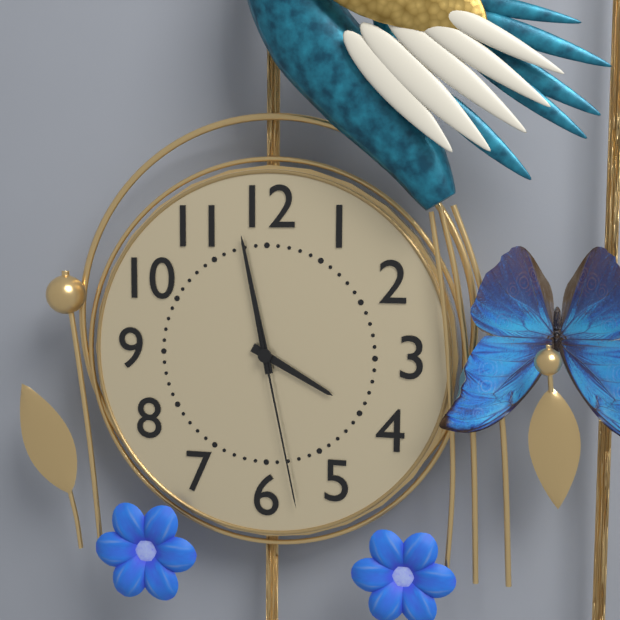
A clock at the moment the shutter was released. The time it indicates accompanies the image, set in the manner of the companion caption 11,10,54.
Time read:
3,58,28
